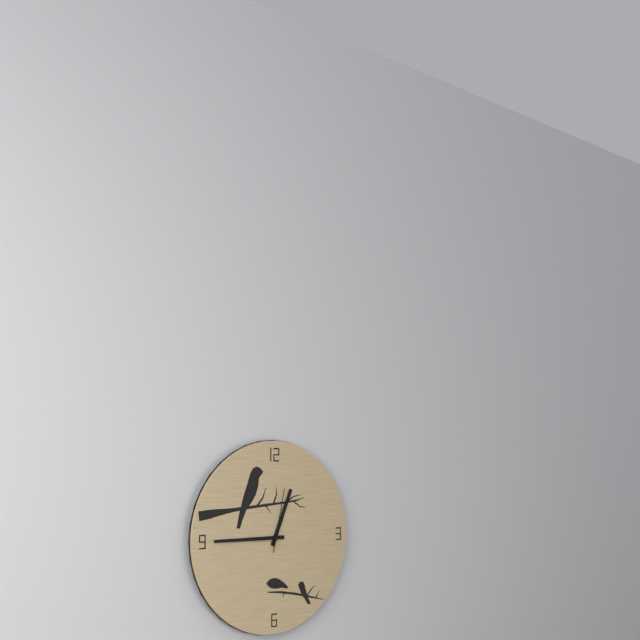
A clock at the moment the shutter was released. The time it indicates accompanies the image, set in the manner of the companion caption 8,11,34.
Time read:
12,45,02
